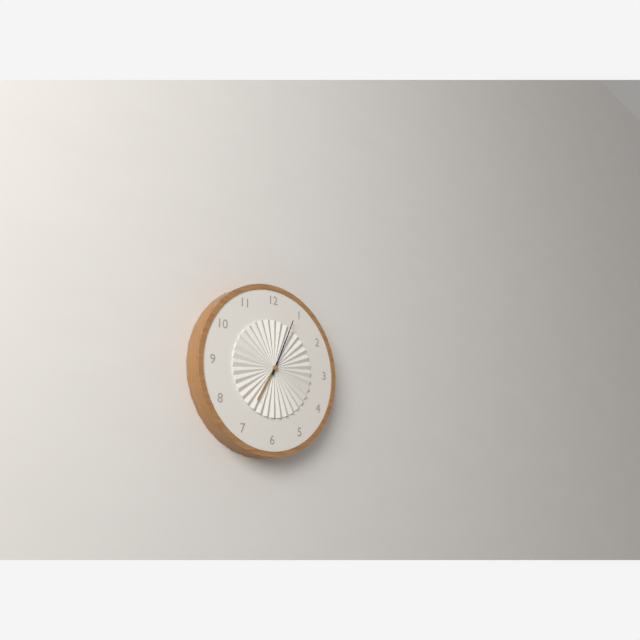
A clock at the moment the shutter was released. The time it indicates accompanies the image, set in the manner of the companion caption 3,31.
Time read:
7,04
